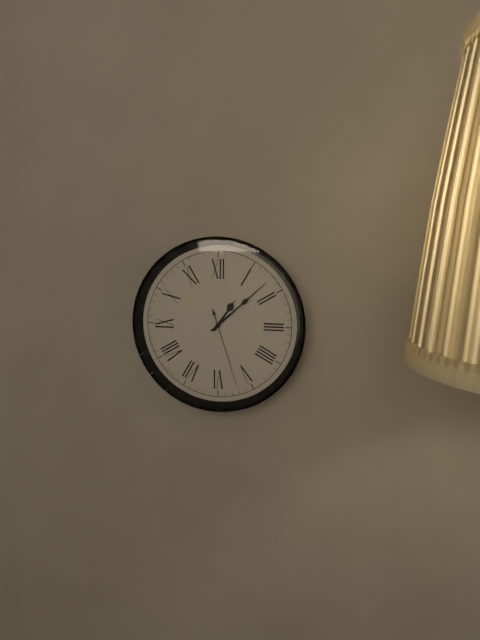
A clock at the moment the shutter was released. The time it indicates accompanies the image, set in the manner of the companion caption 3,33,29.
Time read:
1,08,27
